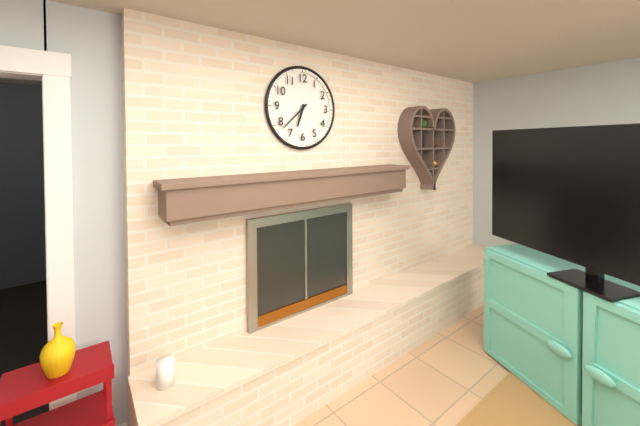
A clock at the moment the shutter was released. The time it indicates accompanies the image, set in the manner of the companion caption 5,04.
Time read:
6,38
